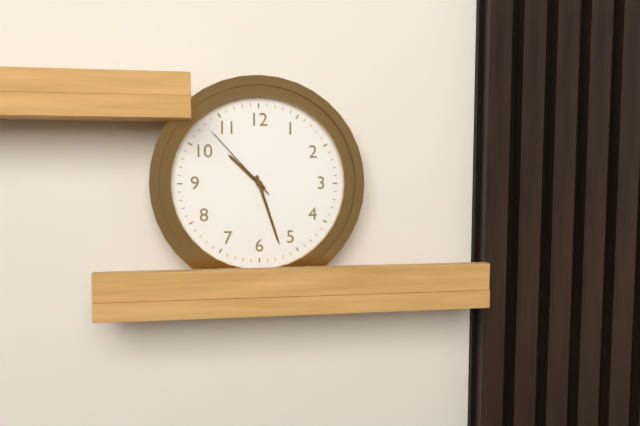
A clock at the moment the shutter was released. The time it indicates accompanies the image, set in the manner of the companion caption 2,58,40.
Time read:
10,27,53
